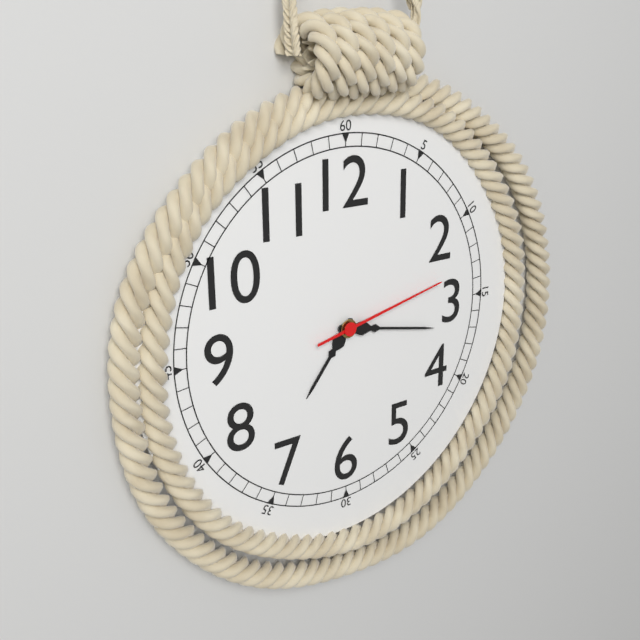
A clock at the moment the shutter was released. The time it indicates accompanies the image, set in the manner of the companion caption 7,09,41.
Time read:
7,17,13
